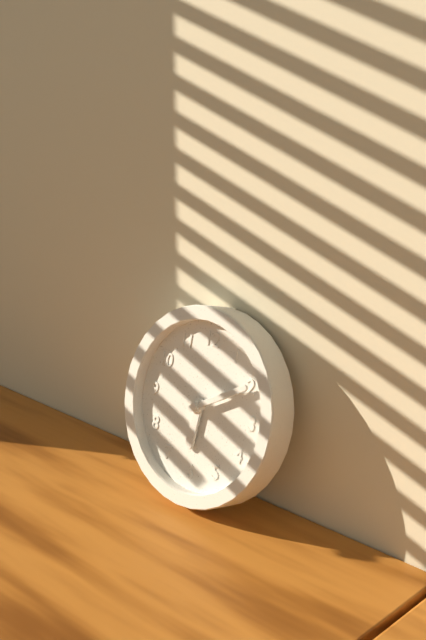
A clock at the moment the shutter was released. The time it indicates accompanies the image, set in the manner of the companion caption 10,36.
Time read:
6,10
